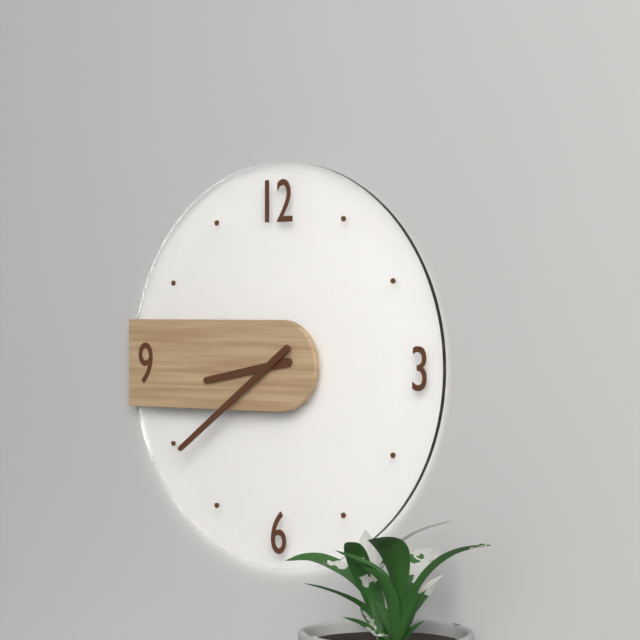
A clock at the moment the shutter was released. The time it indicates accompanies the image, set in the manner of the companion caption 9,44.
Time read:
8,39
